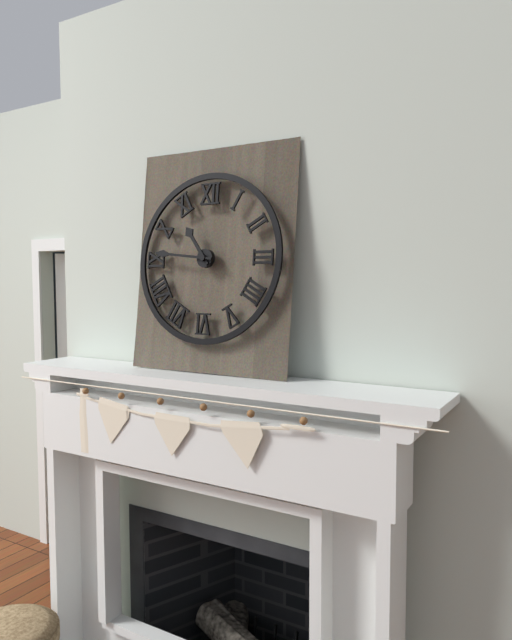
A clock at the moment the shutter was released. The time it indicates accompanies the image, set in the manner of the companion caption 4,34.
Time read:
10,46
